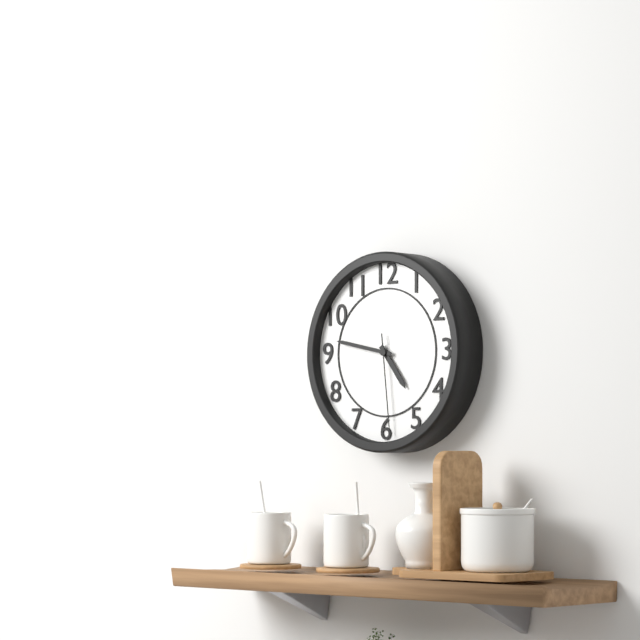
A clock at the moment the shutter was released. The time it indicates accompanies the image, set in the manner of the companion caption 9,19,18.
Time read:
4,47,29
